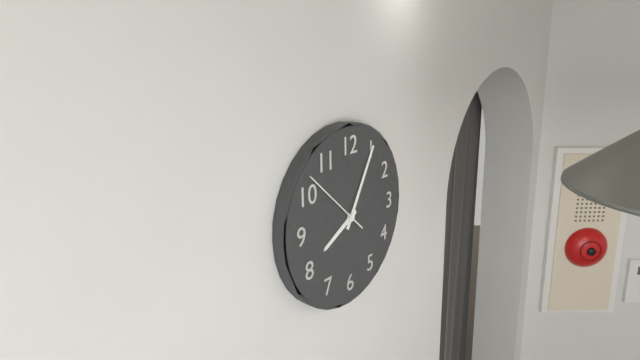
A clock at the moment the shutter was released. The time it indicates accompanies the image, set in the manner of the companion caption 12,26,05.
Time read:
8,05,52
